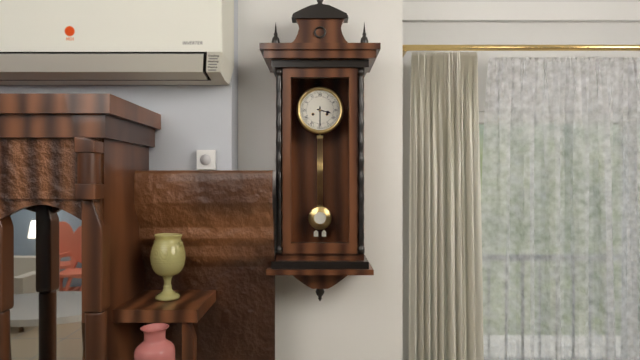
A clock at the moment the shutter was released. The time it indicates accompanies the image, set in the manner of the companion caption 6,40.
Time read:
3,30
